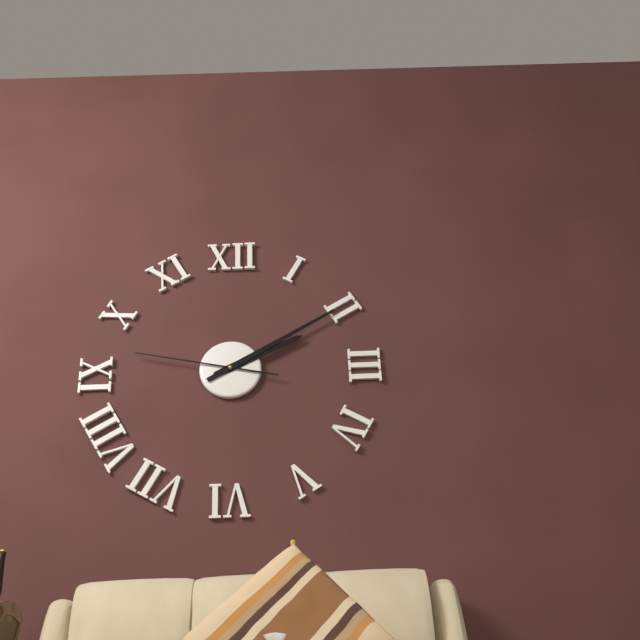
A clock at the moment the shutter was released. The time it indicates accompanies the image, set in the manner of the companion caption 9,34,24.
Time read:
2,10,47
